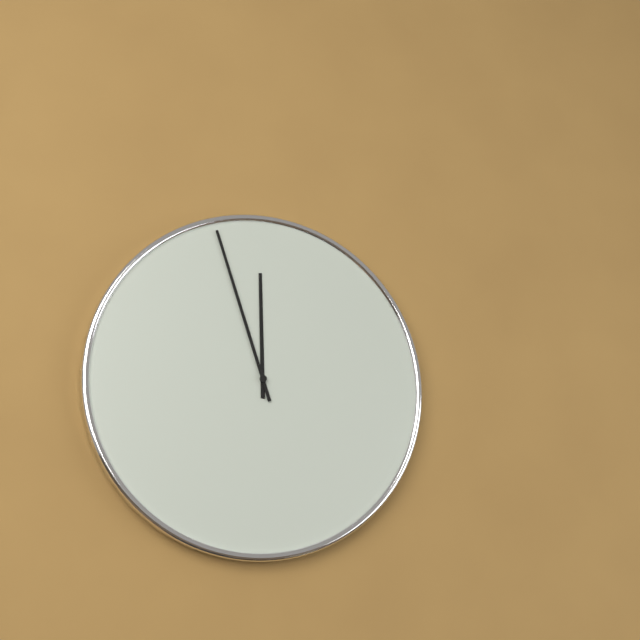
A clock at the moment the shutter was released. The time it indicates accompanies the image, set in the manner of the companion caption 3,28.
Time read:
11,57
